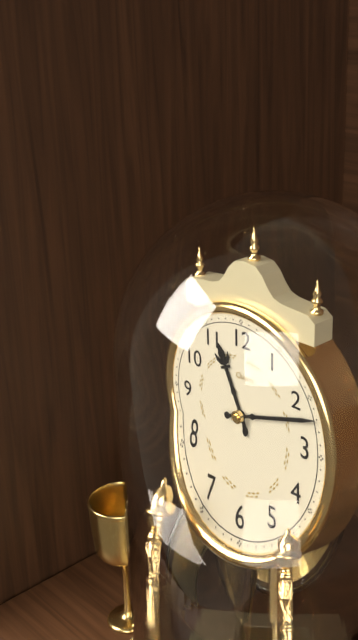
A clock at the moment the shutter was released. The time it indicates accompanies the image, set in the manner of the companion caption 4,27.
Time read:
11,12
